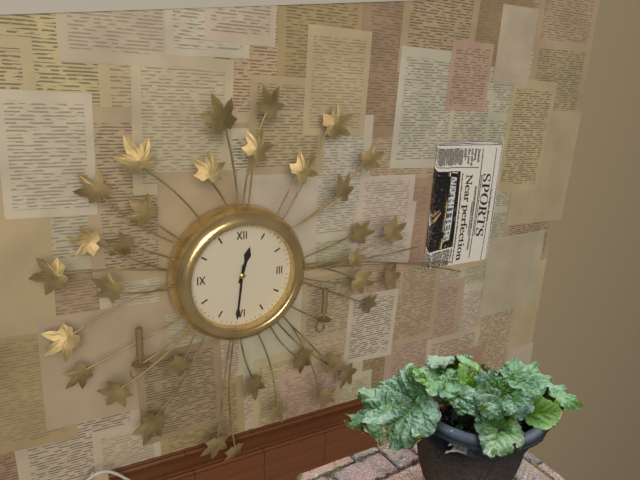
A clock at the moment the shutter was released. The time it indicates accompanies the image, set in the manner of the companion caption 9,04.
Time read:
12,31
